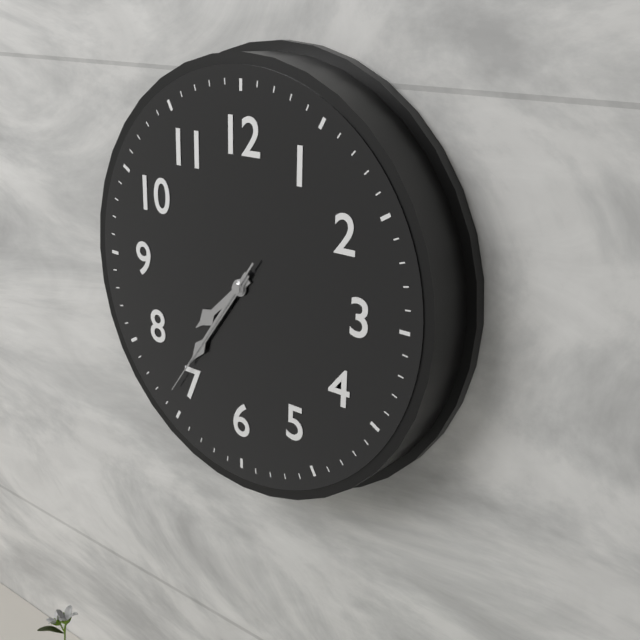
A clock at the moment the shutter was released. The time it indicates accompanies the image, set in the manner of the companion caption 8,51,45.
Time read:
7,36,36
